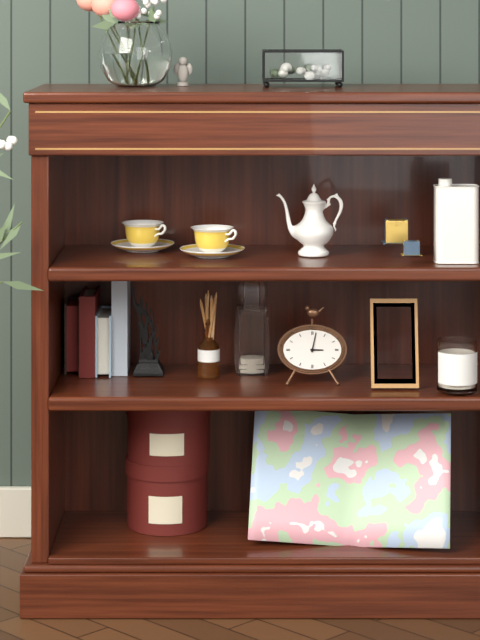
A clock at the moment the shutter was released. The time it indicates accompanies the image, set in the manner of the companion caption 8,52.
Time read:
3,02
